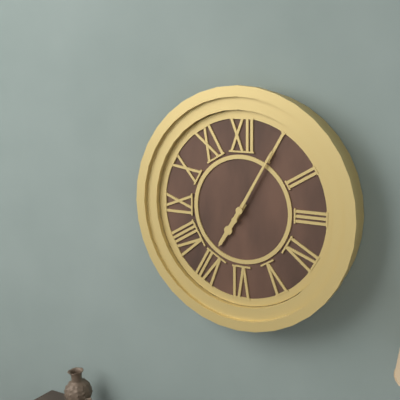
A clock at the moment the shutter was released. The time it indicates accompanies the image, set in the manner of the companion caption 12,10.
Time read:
7,05
